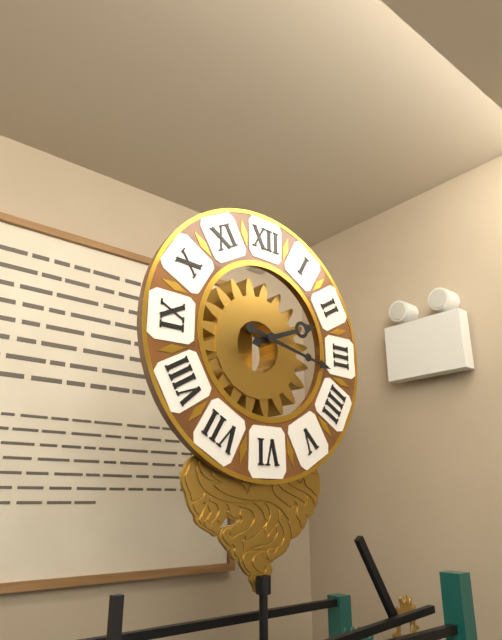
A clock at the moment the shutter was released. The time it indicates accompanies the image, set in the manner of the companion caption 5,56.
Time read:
2,17
